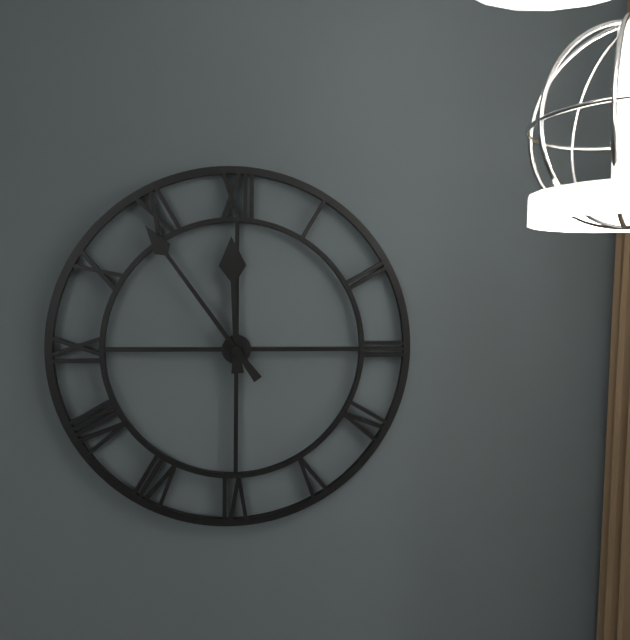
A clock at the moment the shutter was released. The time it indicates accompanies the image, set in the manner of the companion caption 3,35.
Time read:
11,54
